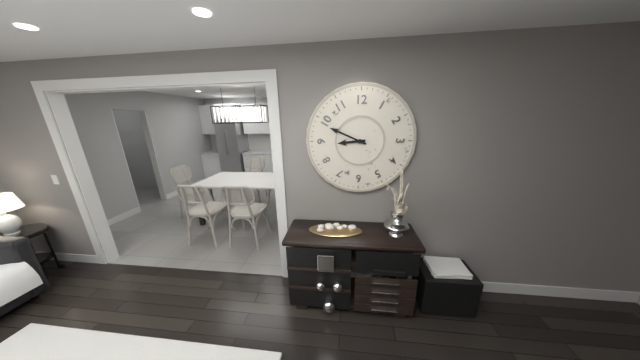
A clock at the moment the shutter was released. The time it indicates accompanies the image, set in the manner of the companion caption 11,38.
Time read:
8,49
